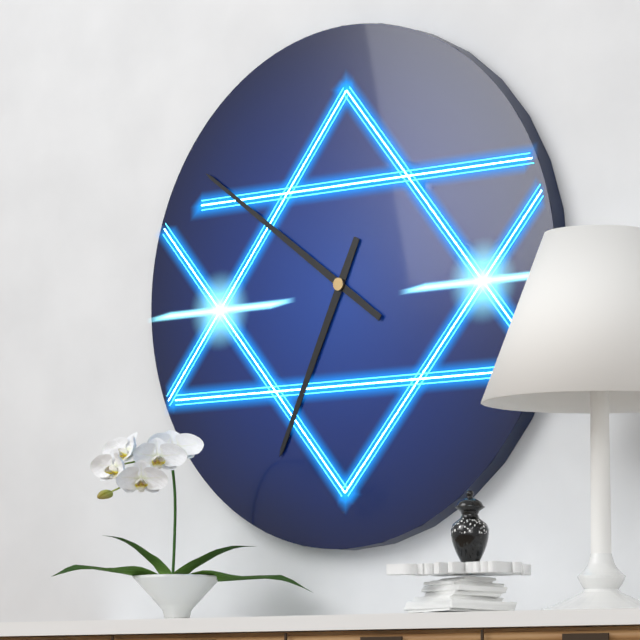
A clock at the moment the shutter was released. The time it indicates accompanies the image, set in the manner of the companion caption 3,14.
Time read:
6,51
